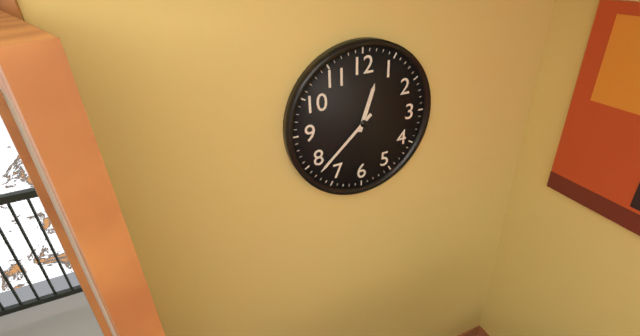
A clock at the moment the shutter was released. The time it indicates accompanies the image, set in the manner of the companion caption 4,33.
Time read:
12,38
